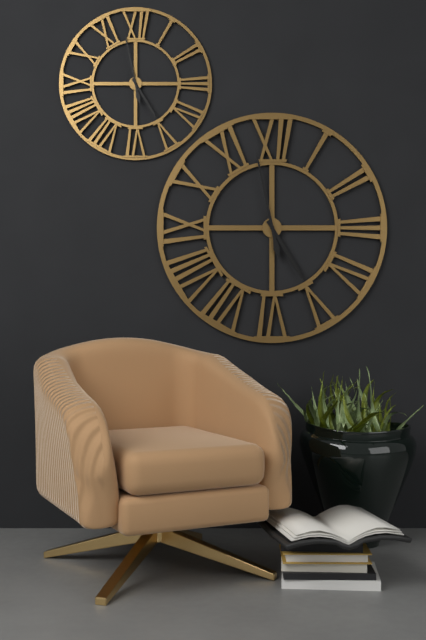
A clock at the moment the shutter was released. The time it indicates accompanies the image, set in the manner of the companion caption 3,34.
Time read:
4,58
